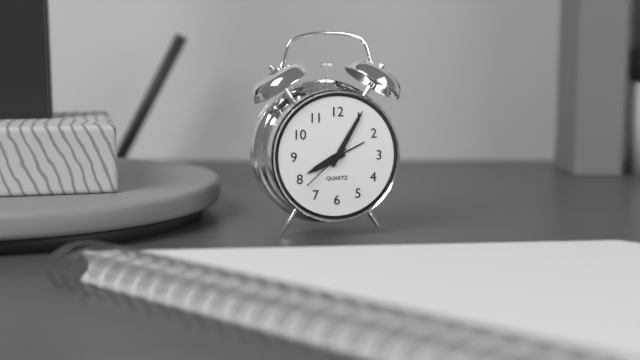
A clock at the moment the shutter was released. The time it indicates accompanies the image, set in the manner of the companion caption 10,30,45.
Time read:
8,05,38
